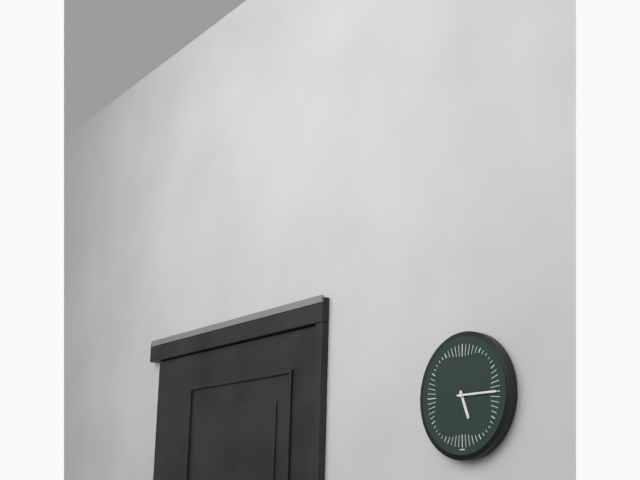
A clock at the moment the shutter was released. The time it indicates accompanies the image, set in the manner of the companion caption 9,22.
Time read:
5,15
